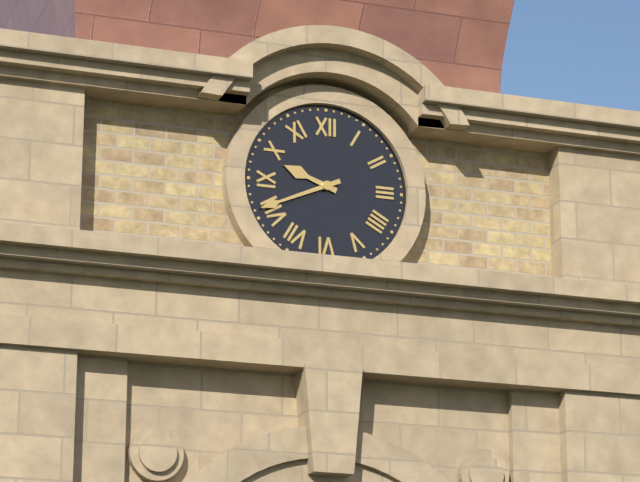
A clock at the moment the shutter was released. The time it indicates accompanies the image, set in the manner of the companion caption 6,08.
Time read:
9,41
